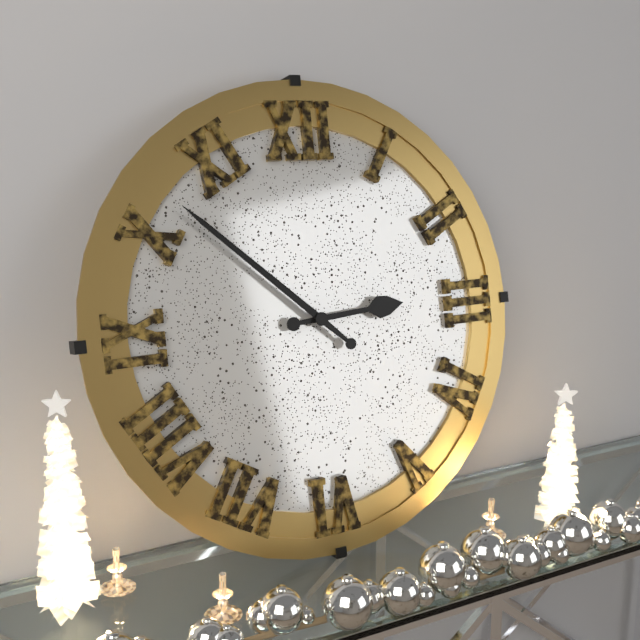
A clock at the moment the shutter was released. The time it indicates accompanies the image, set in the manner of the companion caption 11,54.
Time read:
2,52
